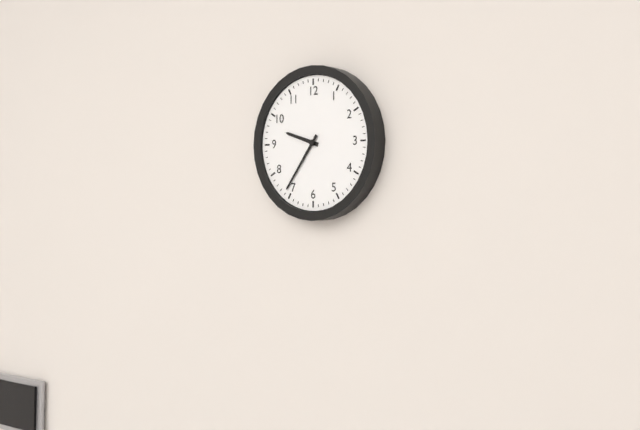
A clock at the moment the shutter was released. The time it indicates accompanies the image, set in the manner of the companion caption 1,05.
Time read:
9,36
